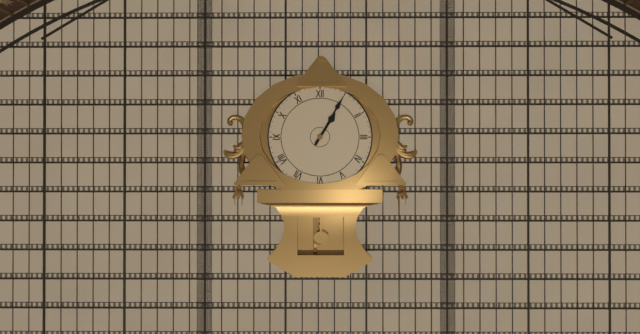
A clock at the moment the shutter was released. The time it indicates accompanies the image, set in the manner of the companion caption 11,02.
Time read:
1,05
